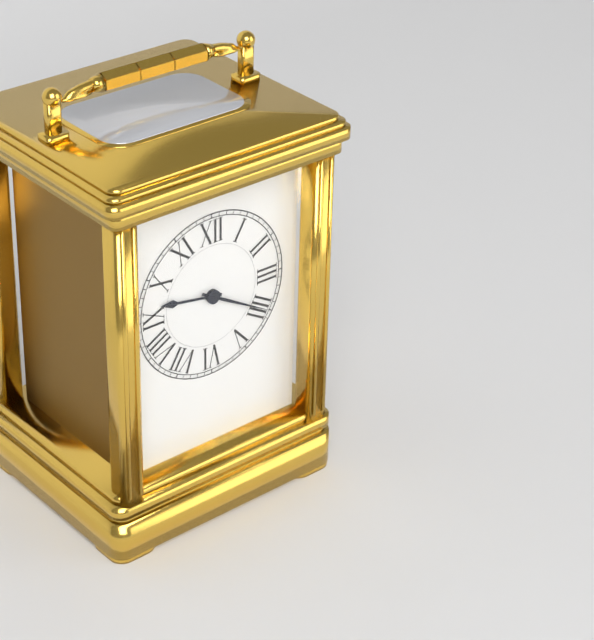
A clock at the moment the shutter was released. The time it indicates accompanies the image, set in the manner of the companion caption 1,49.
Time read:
9,20
